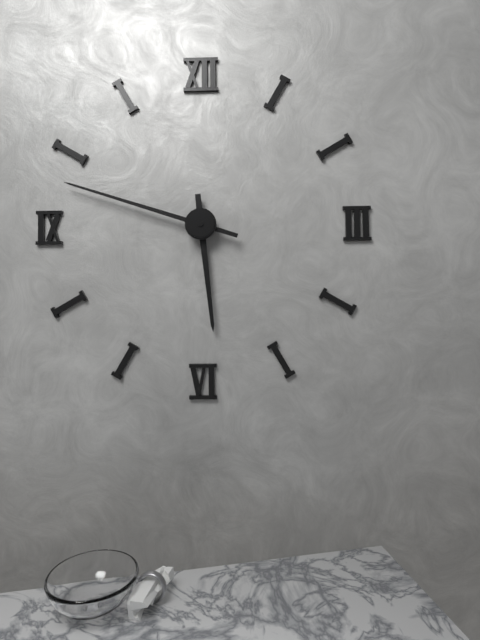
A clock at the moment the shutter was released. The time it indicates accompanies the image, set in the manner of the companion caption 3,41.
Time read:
5,48
